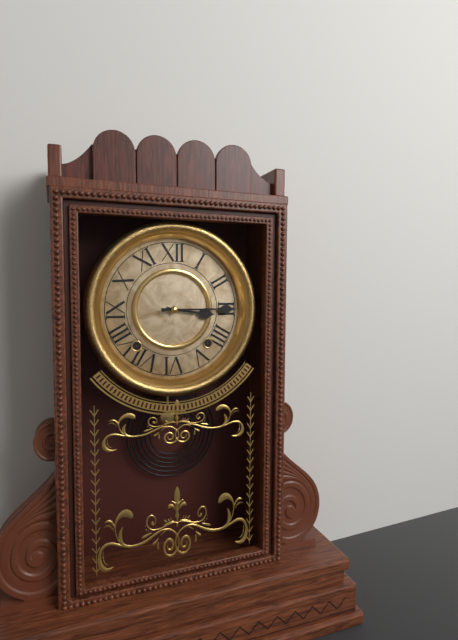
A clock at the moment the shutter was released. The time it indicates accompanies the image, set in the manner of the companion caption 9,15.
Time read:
3,15
